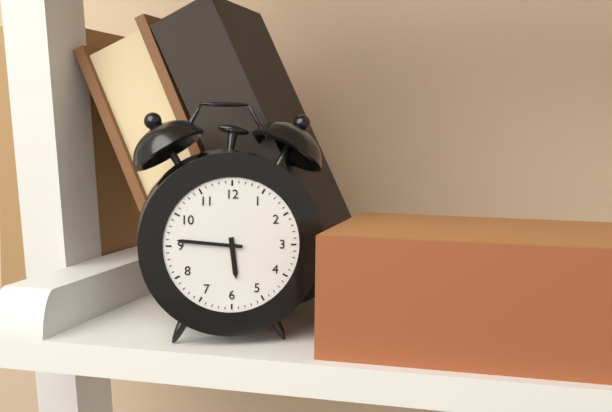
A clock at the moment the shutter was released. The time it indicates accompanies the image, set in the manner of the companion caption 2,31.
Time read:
5,46
